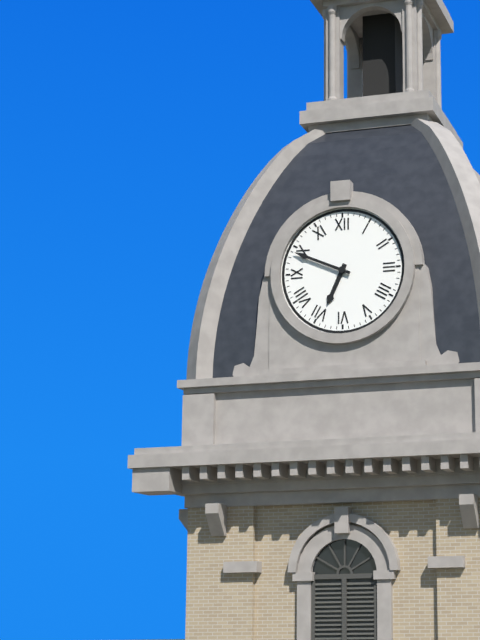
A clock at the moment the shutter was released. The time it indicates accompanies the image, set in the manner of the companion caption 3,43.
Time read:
6,49
